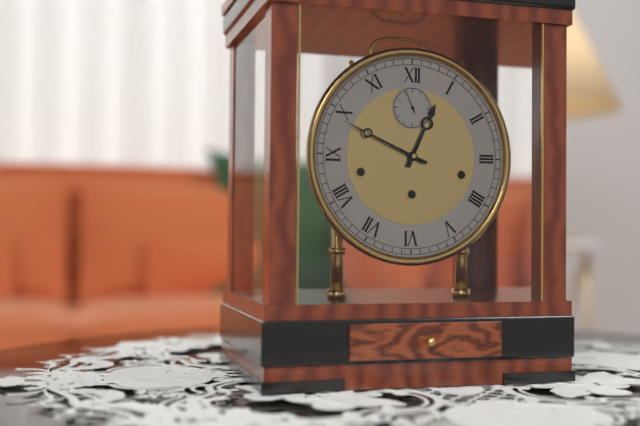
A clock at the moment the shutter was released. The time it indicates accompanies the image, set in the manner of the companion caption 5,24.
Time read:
12,49
